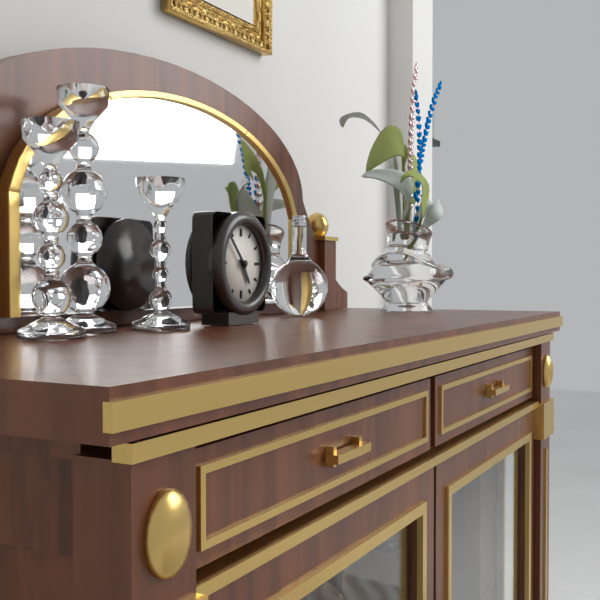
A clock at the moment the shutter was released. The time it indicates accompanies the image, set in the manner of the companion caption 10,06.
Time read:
4,53
